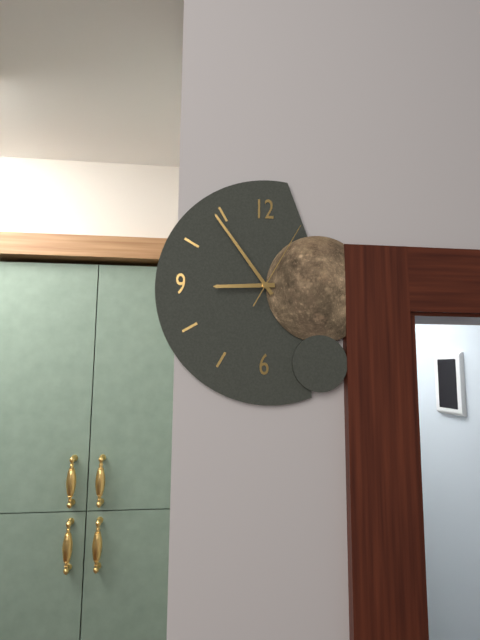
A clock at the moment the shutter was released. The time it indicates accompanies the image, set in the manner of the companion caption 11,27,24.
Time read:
8,54,05
